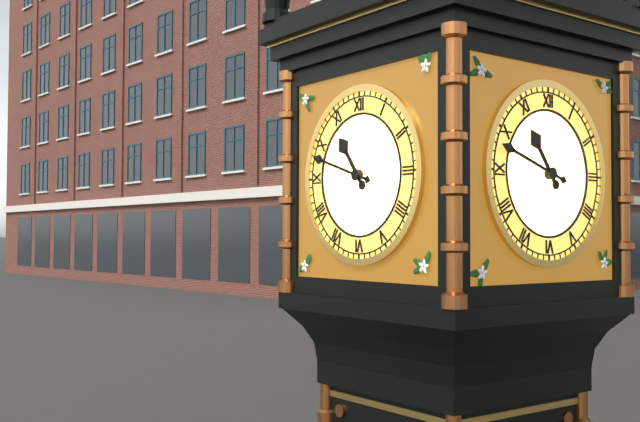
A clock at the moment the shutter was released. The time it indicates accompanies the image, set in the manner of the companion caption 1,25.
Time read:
10,48
